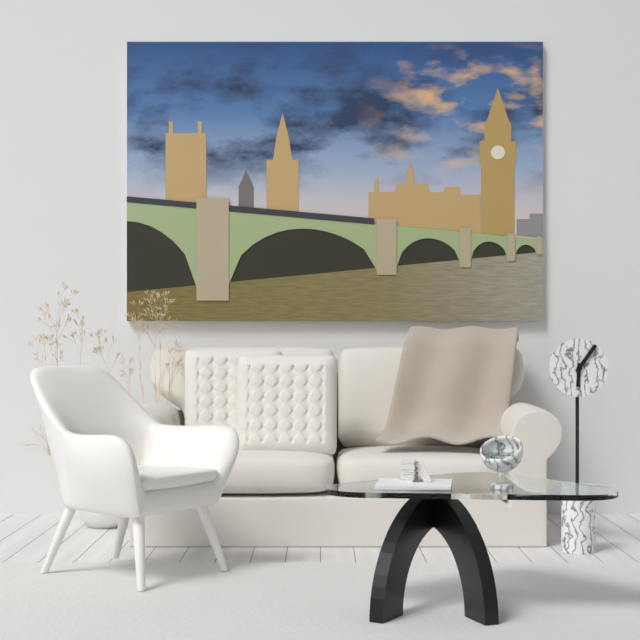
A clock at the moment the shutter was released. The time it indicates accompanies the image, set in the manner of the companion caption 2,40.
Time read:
6,06
